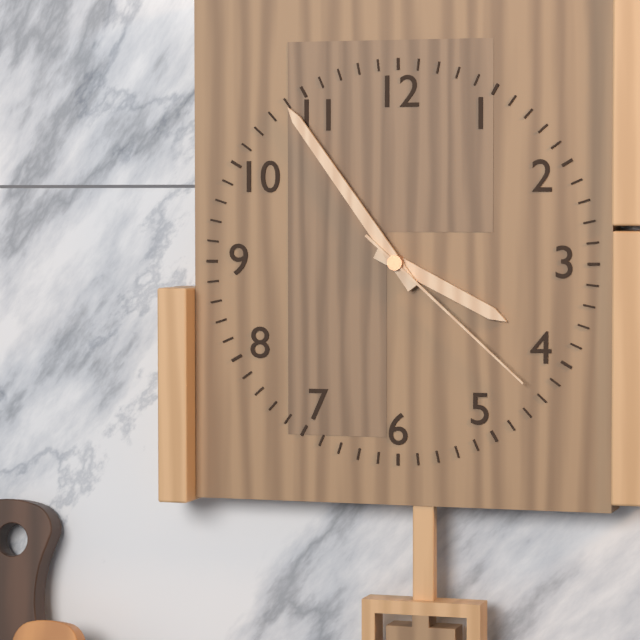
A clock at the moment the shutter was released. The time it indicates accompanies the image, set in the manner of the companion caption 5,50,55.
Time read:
3,54,22
